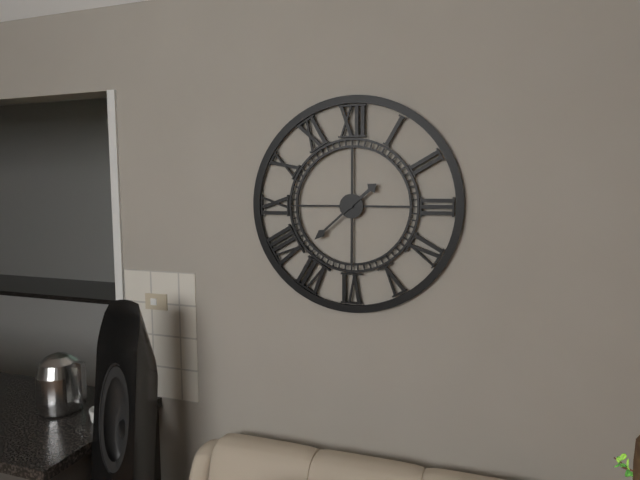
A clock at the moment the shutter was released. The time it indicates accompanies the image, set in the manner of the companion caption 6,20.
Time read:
1,38
